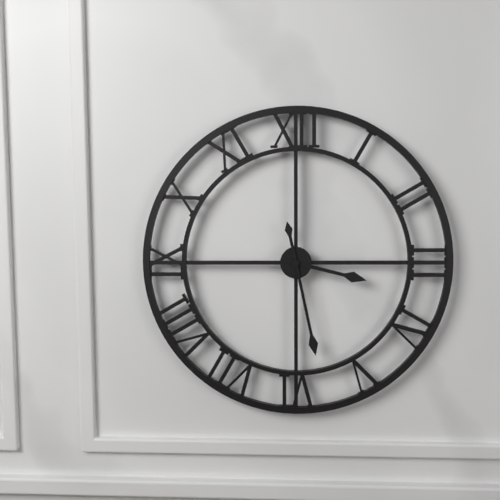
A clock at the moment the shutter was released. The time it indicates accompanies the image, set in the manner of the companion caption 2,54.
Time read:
3,28
